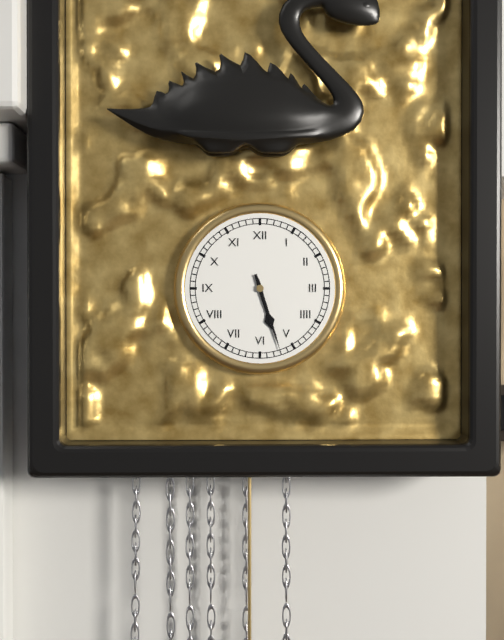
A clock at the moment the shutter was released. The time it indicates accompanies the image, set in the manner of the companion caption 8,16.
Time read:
5,27
